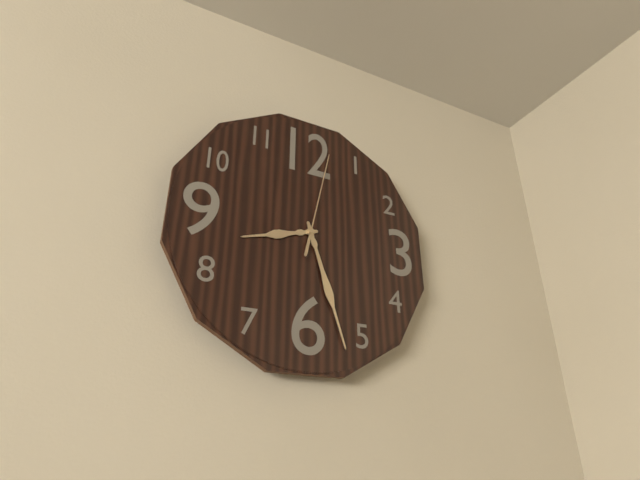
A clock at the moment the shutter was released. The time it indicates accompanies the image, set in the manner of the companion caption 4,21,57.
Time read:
8,27,02
